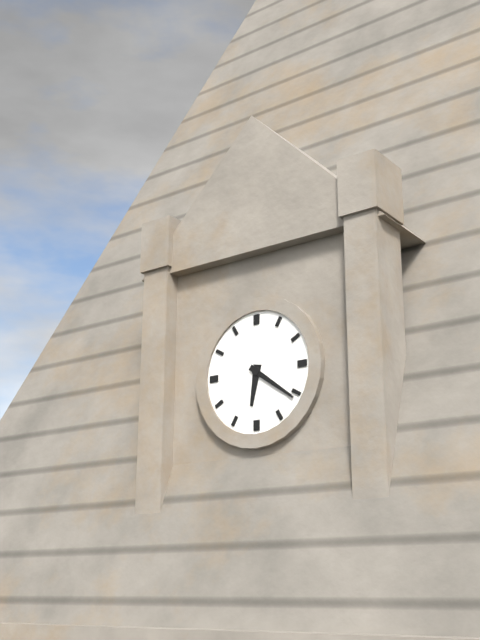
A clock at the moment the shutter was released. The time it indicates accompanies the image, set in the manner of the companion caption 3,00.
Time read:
6,21
